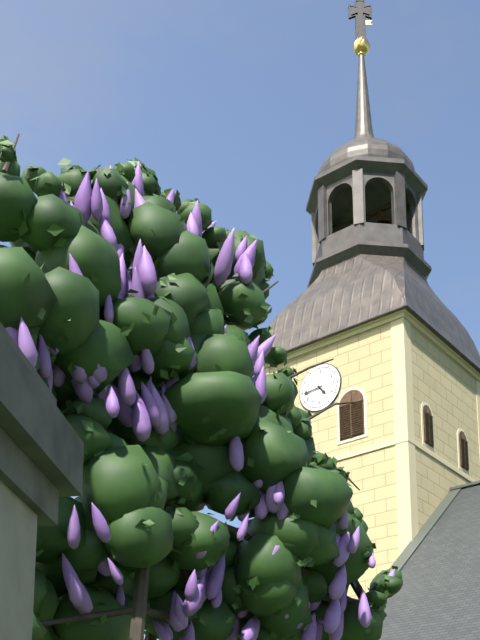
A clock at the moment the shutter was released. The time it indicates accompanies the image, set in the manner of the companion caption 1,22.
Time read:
4,44
